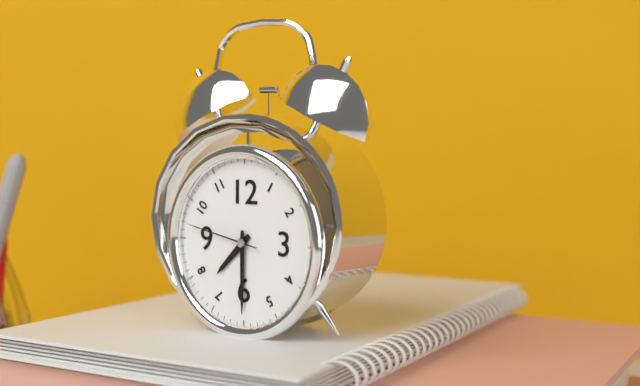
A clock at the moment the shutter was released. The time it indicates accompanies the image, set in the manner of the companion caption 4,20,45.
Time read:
7,30,47
